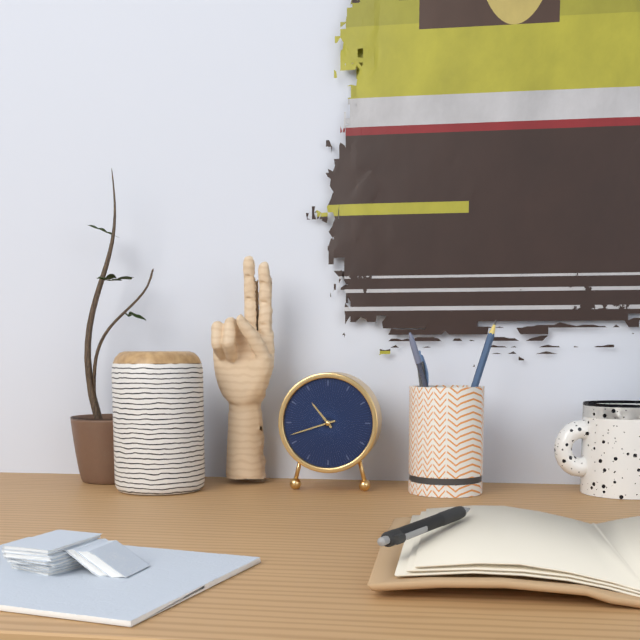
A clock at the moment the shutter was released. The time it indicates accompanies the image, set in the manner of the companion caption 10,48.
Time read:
10,42
